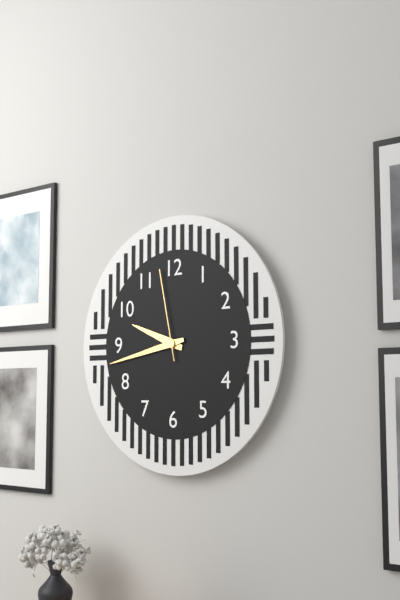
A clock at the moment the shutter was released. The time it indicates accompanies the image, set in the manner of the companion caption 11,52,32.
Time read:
9,43,58
